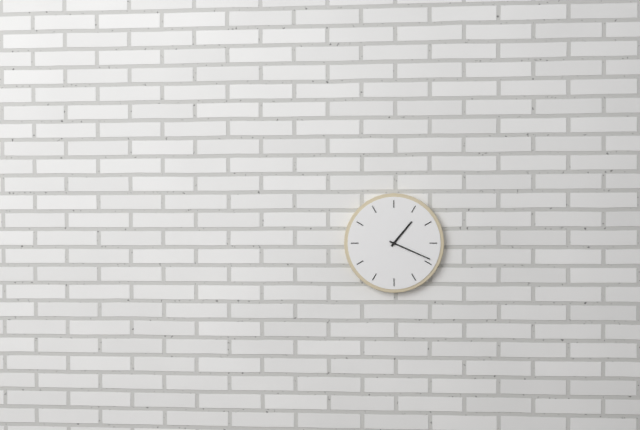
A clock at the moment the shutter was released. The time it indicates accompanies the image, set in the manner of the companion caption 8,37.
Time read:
1,19
